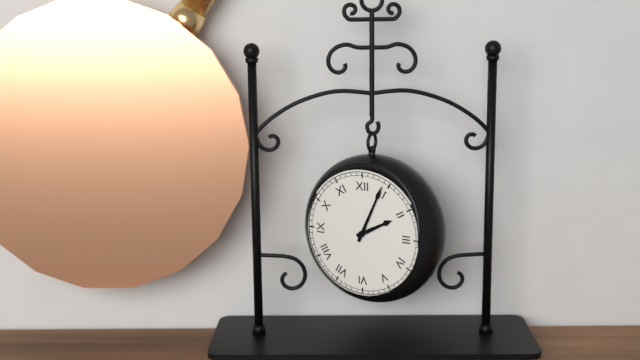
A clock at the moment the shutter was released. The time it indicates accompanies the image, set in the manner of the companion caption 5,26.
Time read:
2,04
